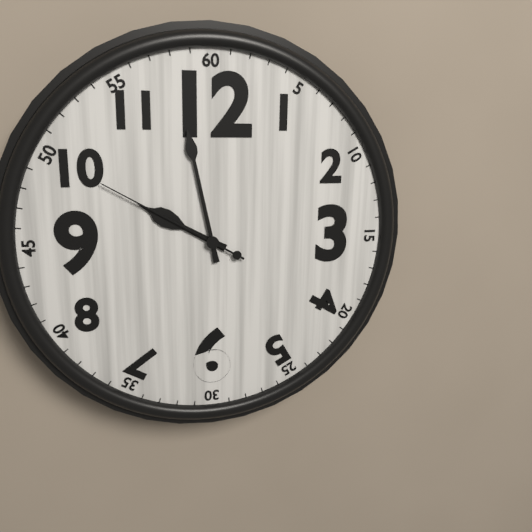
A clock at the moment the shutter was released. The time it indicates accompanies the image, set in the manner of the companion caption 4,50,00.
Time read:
9,58,50
